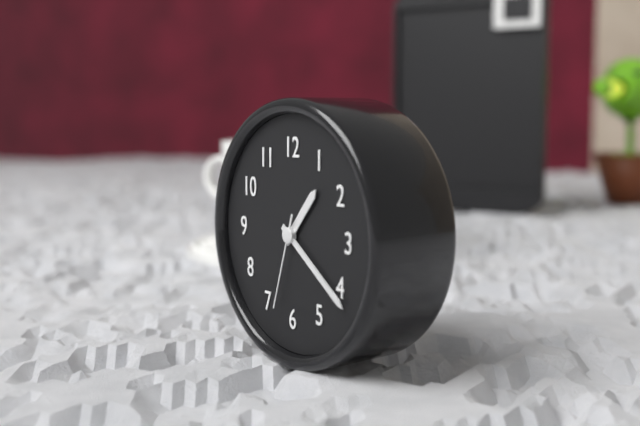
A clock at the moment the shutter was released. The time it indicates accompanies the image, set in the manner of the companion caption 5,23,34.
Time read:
1,21,33
